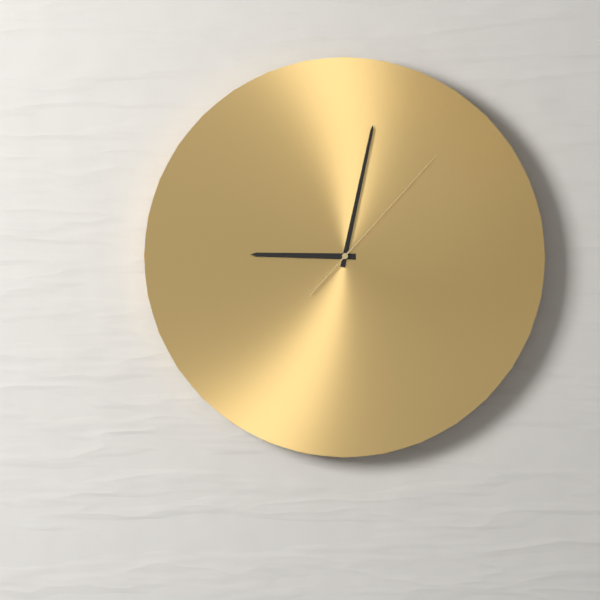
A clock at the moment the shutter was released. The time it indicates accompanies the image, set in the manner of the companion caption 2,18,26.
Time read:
9,02,07
